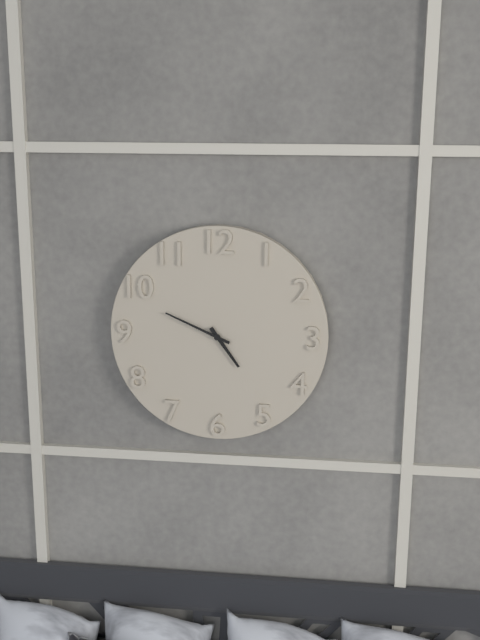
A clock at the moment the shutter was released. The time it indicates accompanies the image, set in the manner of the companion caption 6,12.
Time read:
4,49
